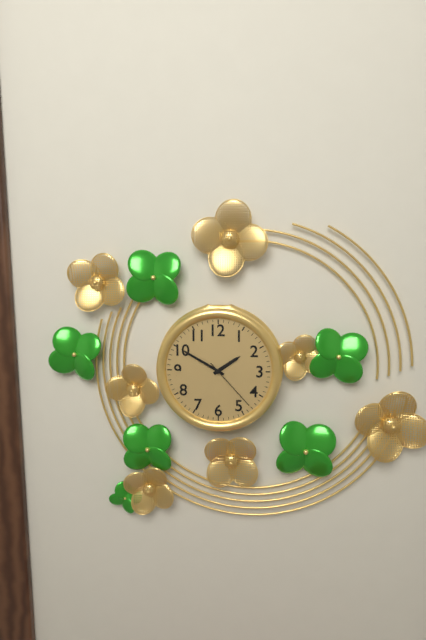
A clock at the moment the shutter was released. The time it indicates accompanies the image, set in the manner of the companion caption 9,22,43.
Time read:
1,50,23
